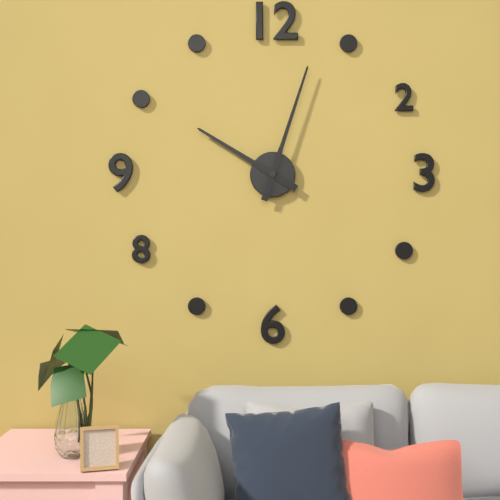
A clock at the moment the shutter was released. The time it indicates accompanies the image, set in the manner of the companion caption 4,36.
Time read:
10,03
